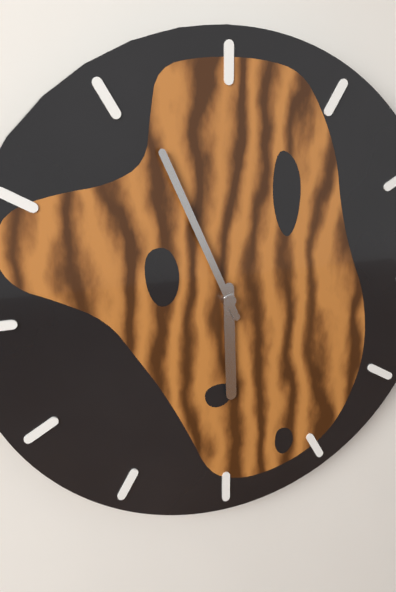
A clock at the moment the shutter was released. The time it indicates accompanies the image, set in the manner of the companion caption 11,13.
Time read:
5,56
